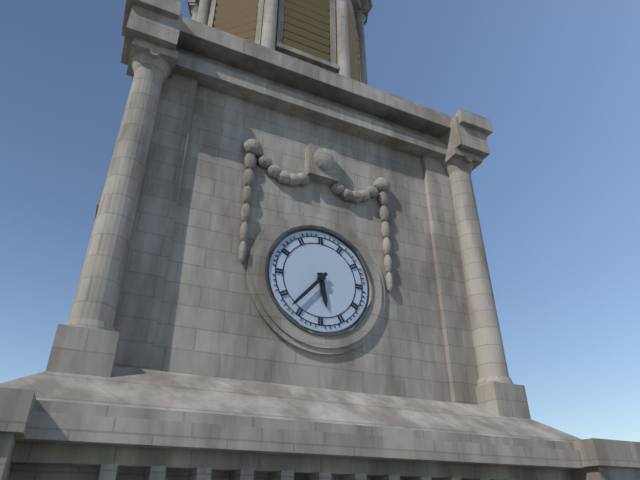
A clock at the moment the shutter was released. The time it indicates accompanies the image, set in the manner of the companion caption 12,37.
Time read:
5,37
